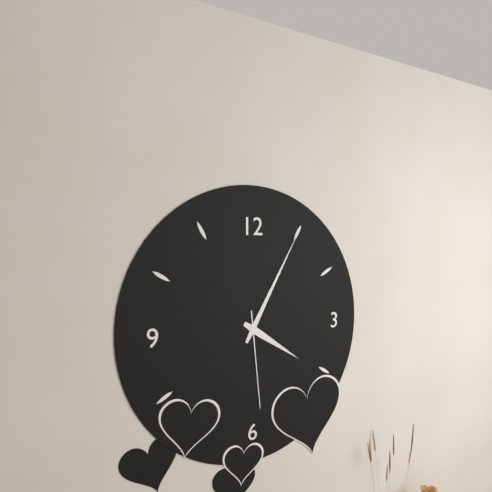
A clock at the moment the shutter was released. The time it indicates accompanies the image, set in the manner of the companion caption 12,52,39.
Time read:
4,05,29
